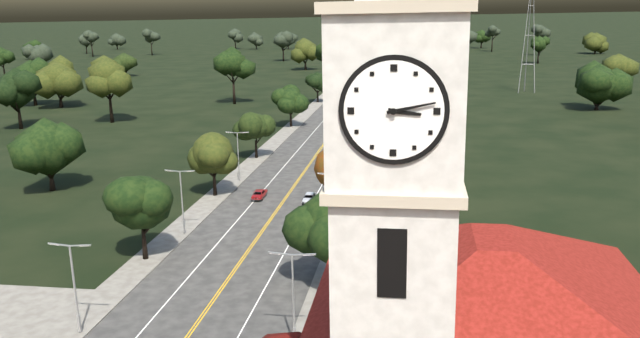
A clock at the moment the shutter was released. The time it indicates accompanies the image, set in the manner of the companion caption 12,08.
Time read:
3,13
